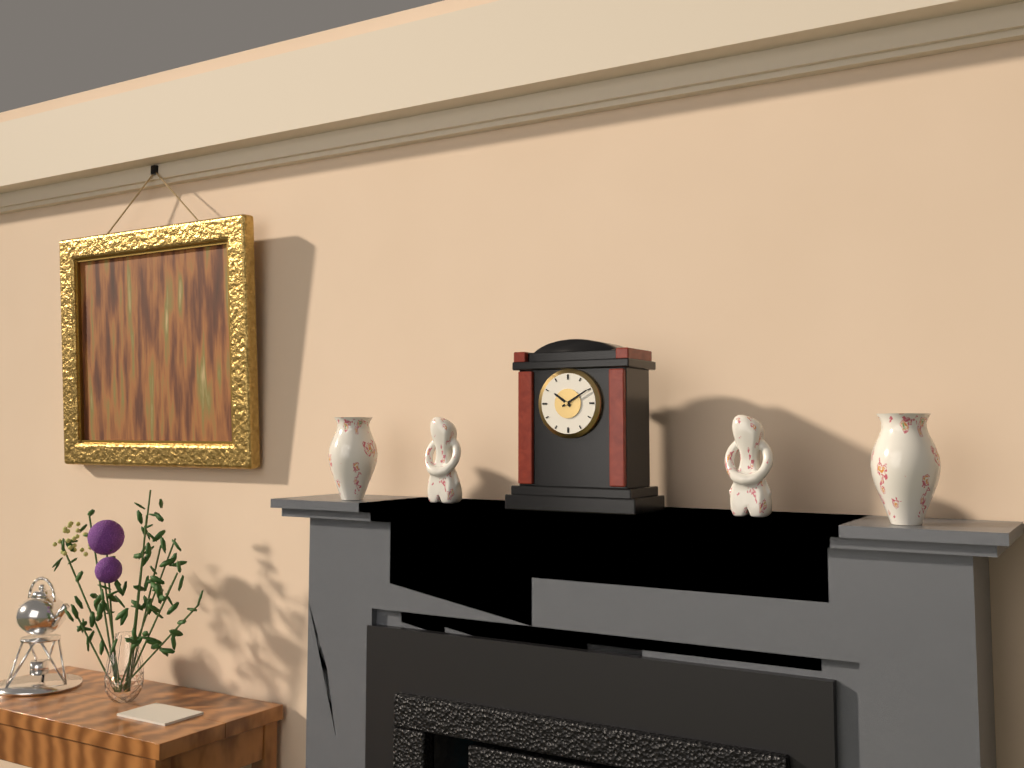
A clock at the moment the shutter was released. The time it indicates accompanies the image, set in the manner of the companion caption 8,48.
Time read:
10,10
